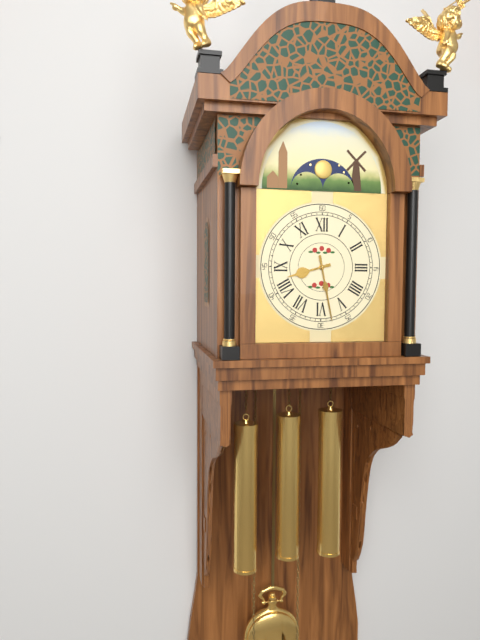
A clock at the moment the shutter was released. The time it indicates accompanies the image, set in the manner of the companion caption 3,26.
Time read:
8,28
